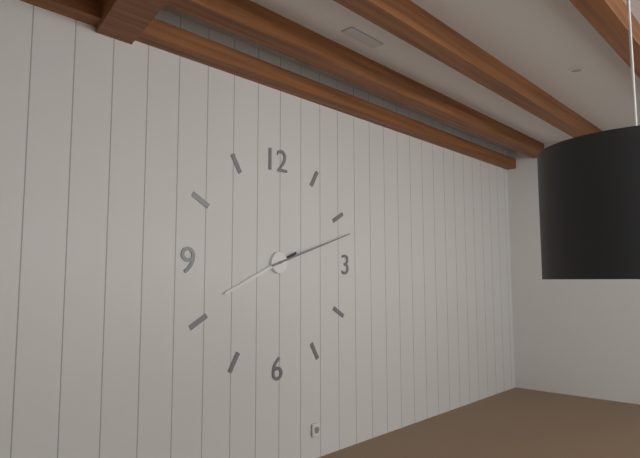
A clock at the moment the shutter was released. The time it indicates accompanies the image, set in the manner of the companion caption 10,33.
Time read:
8,12
